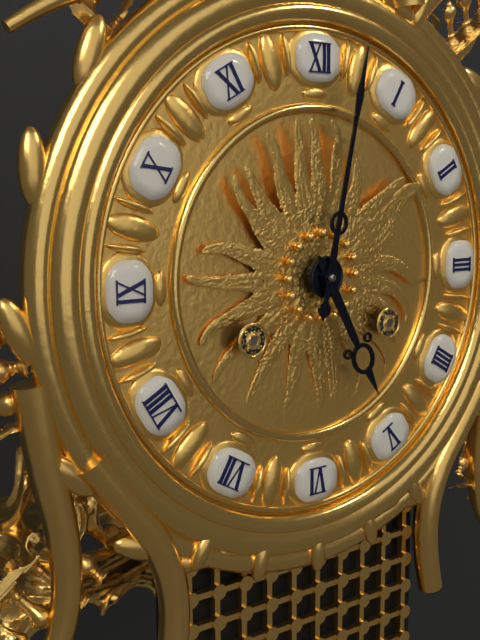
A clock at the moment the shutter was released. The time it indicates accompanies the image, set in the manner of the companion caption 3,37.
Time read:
5,02
